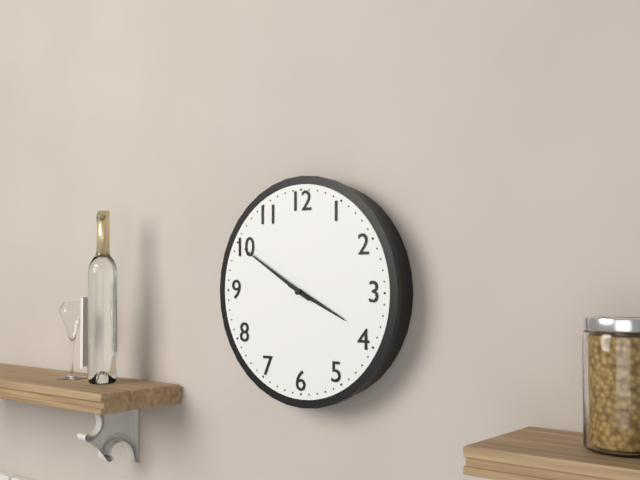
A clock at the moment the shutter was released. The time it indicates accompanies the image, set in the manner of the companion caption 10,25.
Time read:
3,50
